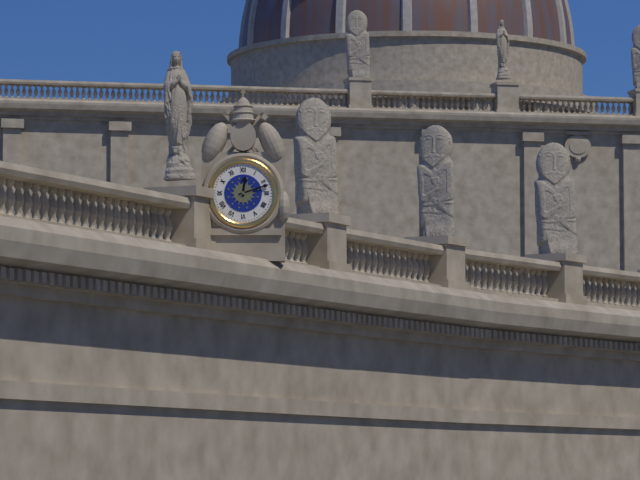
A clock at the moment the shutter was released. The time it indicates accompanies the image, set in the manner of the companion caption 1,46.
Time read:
12,12
